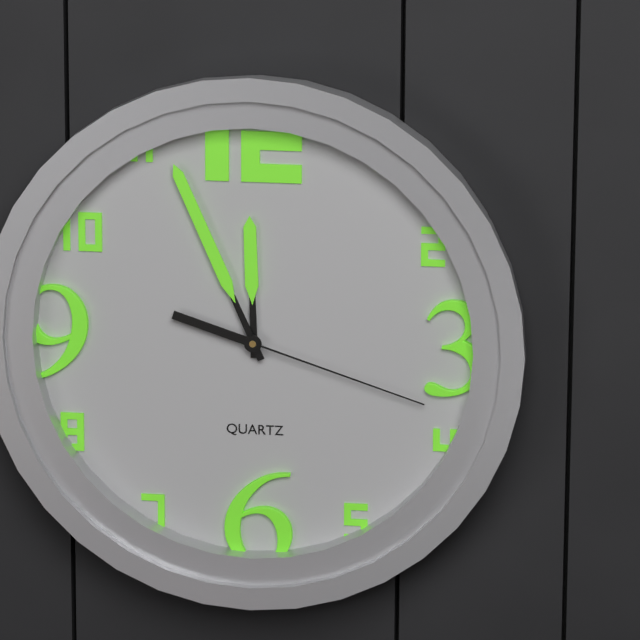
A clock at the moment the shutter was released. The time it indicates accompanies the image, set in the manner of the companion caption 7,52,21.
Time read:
11,56,18
